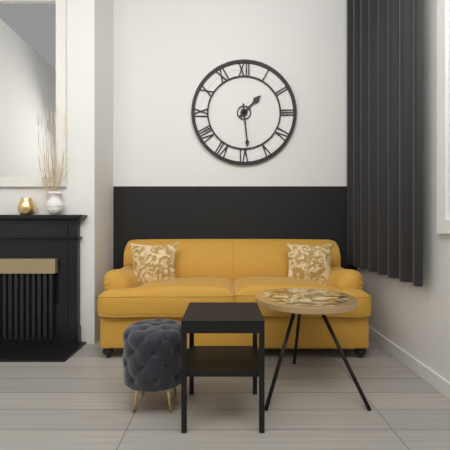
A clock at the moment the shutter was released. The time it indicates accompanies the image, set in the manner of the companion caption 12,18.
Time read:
1,29
